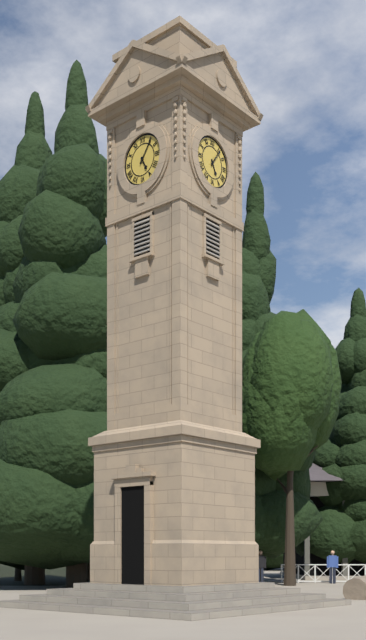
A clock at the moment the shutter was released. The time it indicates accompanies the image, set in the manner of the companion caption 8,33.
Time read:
5,06
